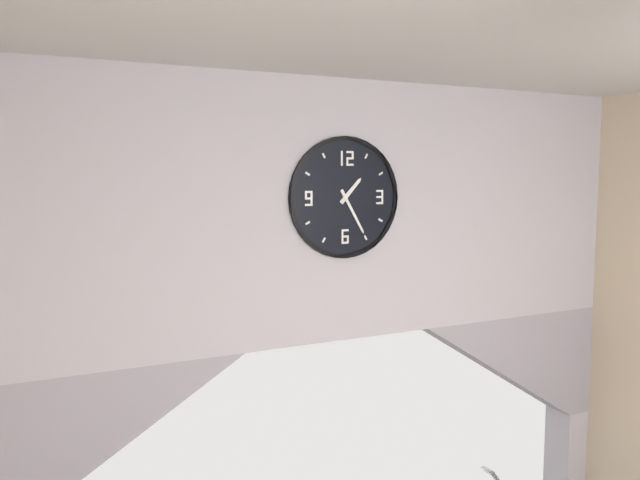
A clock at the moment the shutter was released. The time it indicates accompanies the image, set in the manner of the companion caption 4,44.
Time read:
1,25
